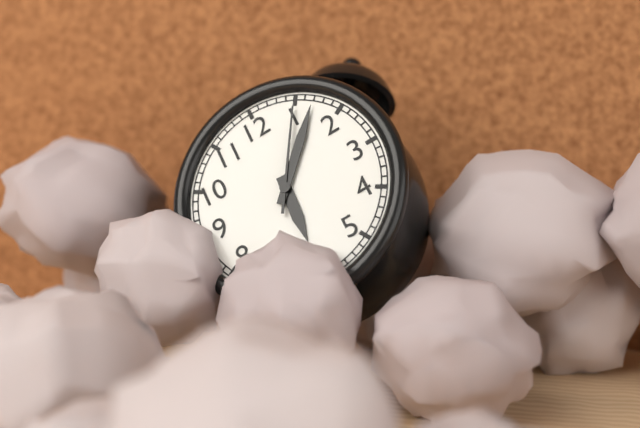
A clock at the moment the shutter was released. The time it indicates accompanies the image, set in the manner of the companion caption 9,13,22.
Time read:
6,07,05
